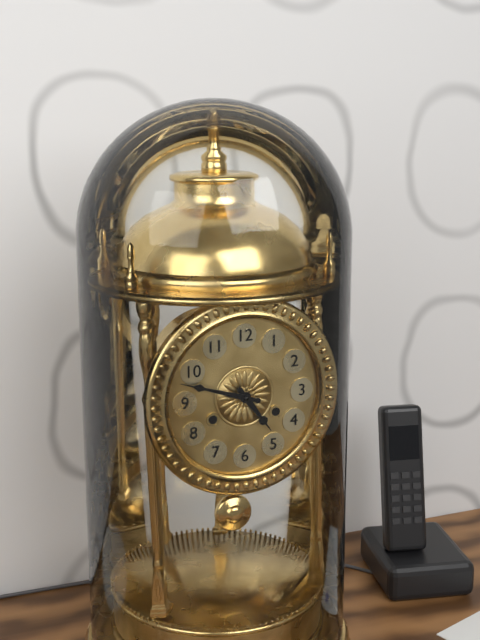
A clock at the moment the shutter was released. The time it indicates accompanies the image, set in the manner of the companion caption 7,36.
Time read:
4,48
